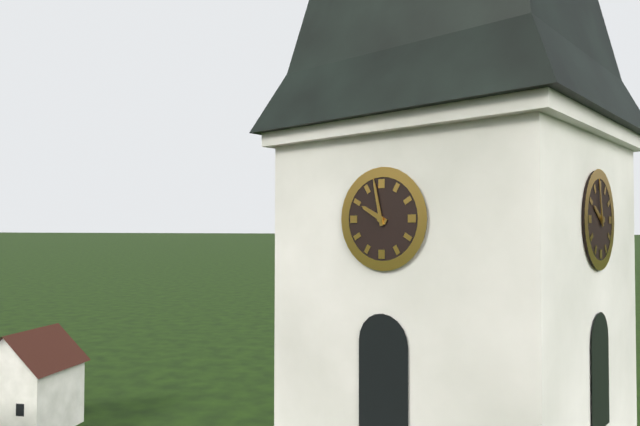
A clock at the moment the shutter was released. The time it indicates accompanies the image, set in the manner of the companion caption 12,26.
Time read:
9,58
